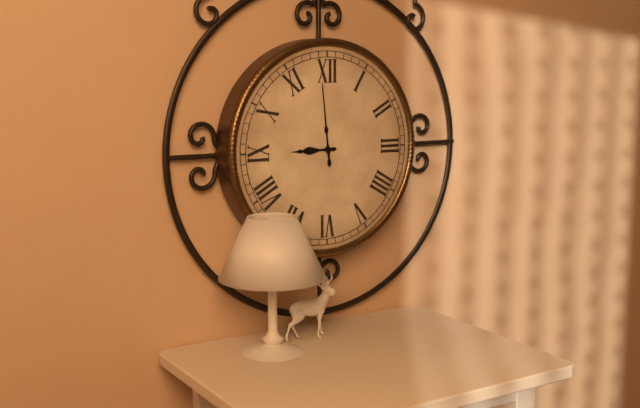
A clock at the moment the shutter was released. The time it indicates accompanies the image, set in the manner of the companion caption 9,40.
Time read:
8,59
